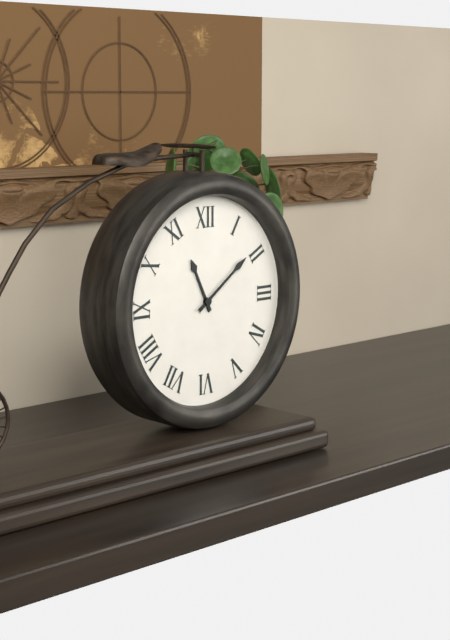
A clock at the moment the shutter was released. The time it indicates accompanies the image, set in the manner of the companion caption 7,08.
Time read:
11,09
